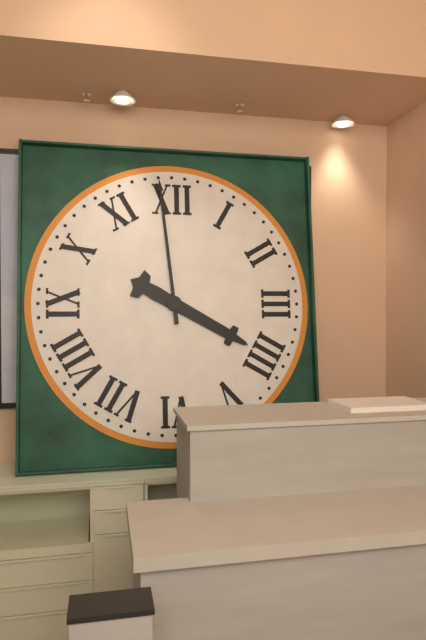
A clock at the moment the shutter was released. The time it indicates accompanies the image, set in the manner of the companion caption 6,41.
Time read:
3,59
